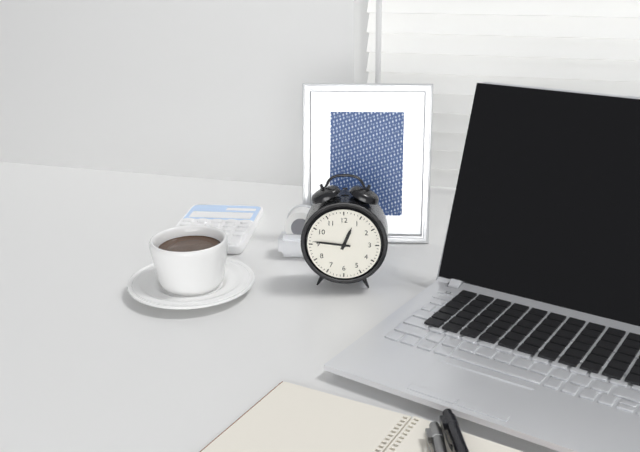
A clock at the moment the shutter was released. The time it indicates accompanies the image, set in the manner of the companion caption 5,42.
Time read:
12,46
